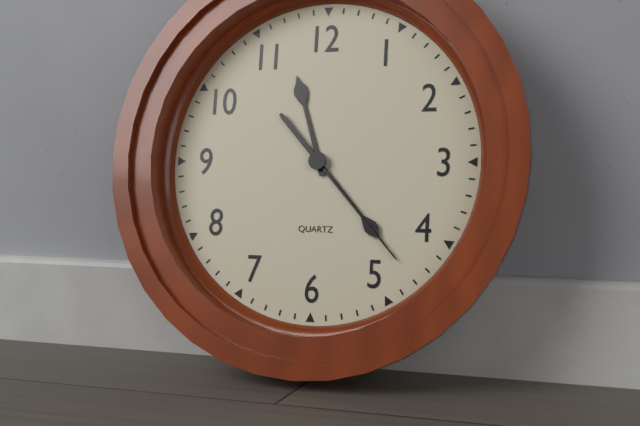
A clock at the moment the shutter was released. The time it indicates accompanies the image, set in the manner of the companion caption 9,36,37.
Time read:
11,23,23
